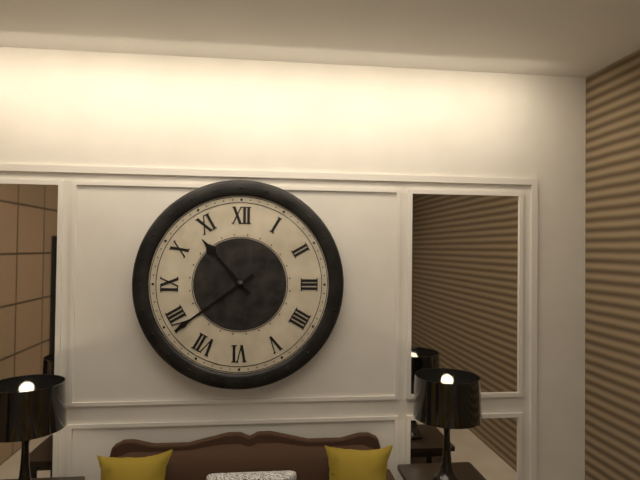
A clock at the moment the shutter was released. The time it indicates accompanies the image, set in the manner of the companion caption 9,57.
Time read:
10,39
